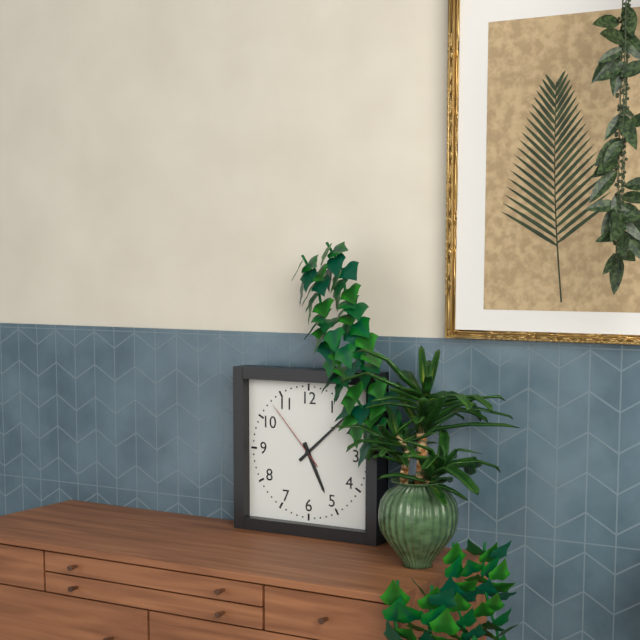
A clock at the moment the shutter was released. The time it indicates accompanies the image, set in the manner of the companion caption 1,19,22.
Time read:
5,08,53
